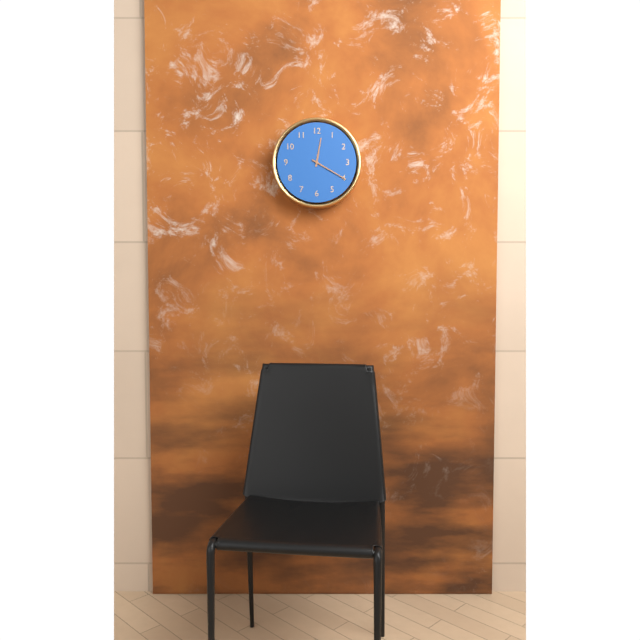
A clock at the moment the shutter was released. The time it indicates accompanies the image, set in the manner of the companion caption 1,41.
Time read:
12,20
